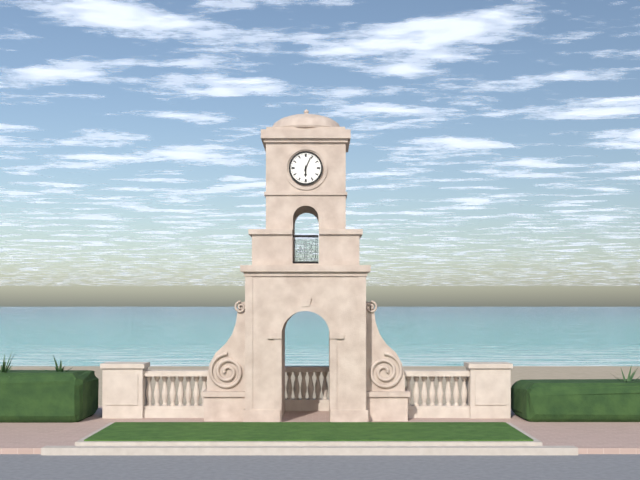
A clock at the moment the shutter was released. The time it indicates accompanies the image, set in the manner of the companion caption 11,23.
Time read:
6,04
